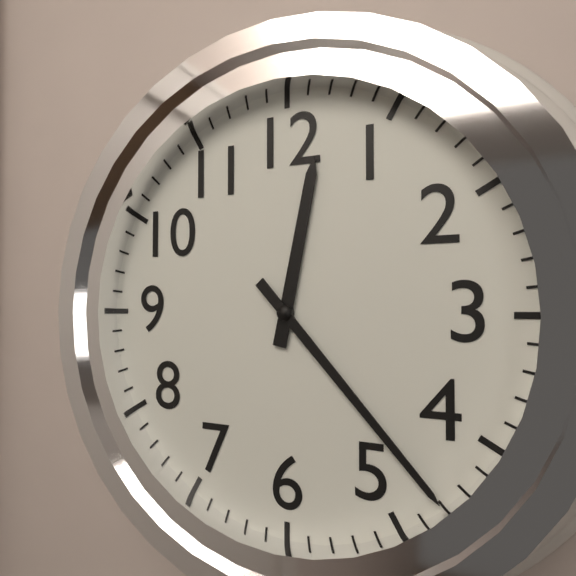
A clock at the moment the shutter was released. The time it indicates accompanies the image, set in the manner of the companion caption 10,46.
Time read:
12,23
